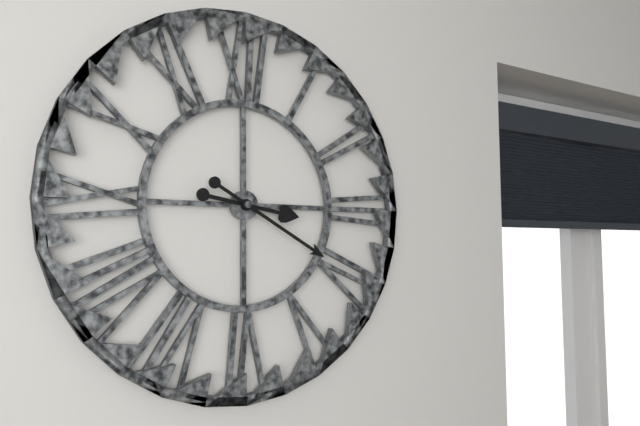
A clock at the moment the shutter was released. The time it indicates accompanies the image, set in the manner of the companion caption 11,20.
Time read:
3,20
